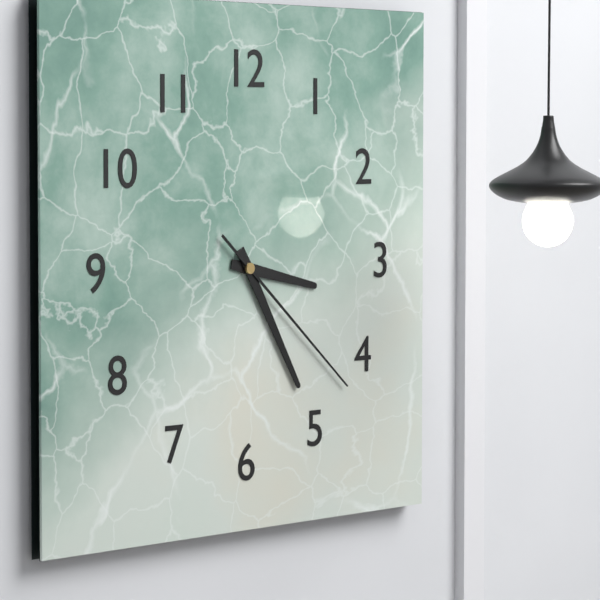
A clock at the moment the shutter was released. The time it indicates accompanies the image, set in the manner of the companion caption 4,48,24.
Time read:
3,25,22
